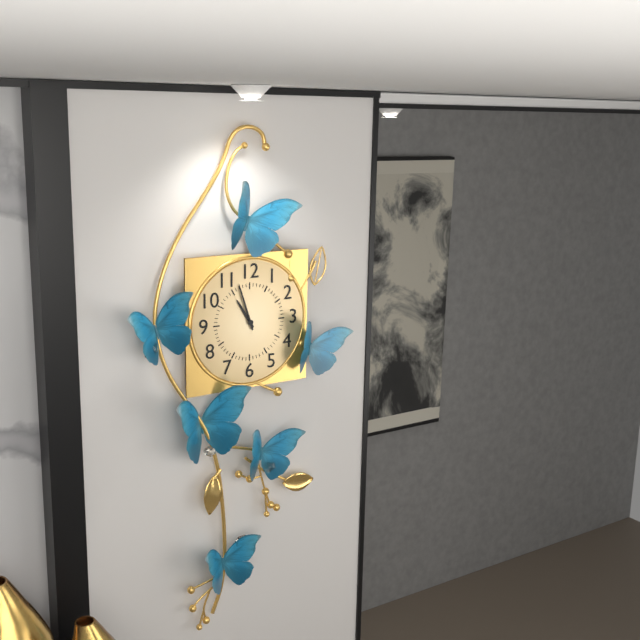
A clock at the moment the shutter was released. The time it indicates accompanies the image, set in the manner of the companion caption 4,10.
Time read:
10,57
